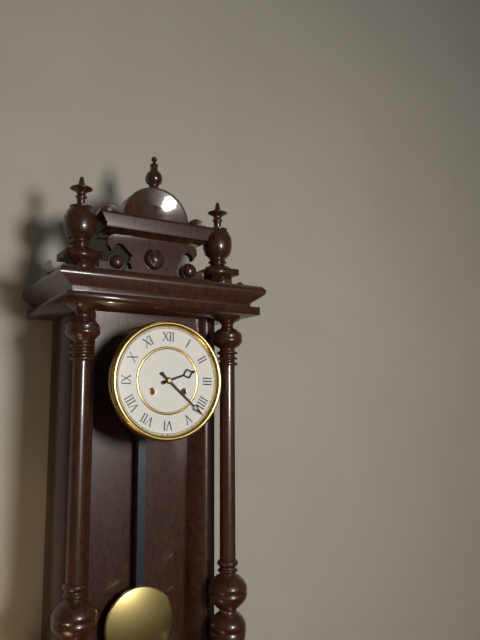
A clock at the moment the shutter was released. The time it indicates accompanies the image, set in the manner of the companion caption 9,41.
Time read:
2,22
